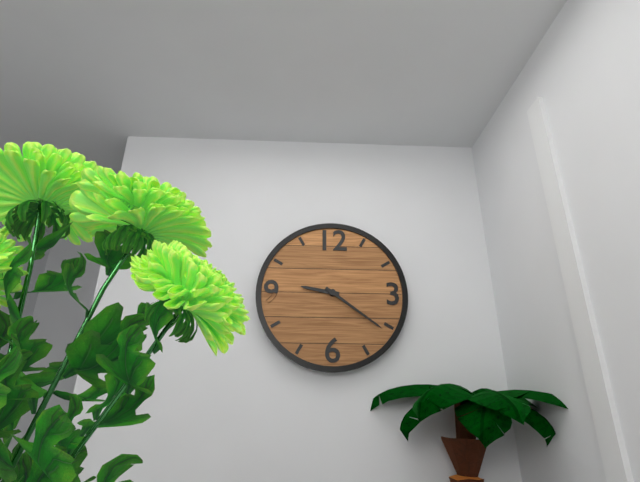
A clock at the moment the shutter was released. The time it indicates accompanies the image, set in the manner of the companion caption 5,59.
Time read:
9,21
